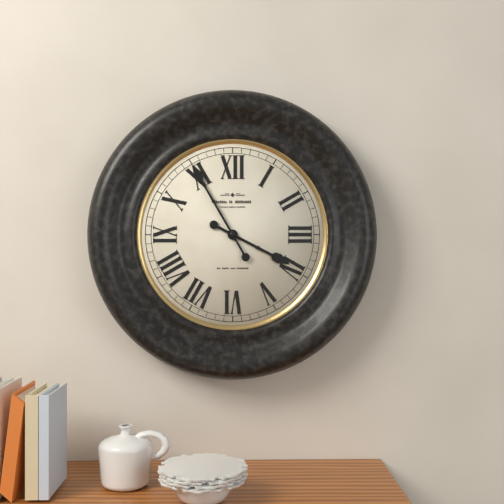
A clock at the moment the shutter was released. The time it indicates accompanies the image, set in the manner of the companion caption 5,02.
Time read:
3,55
